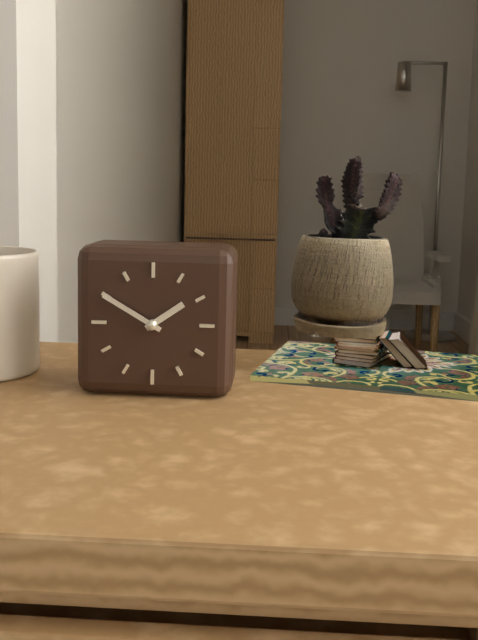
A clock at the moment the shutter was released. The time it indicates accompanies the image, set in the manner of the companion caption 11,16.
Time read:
1,50
